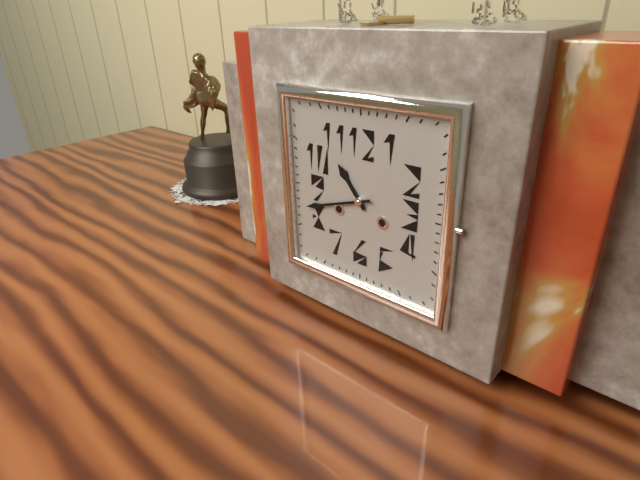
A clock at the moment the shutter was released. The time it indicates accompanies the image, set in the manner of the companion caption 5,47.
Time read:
10,42
